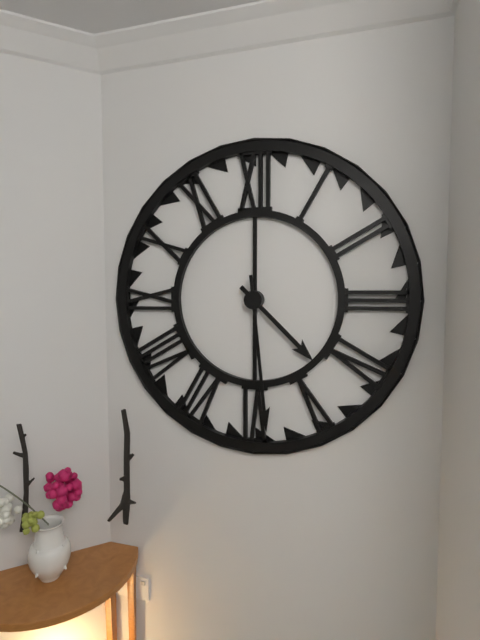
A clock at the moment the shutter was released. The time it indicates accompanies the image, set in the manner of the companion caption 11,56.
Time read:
4,29
